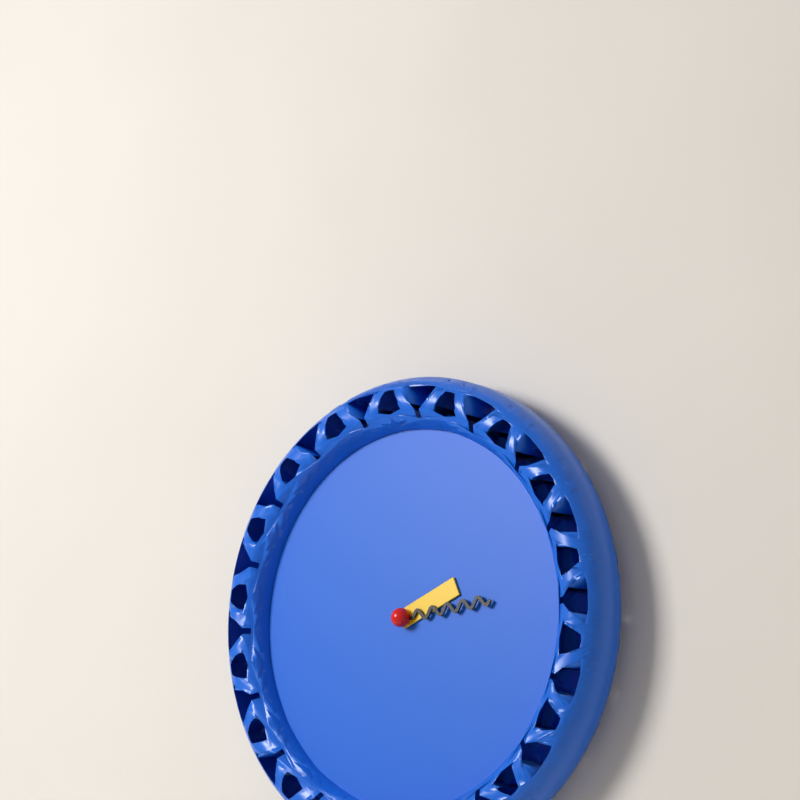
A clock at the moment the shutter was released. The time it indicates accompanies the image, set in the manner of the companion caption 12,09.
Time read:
2,14
